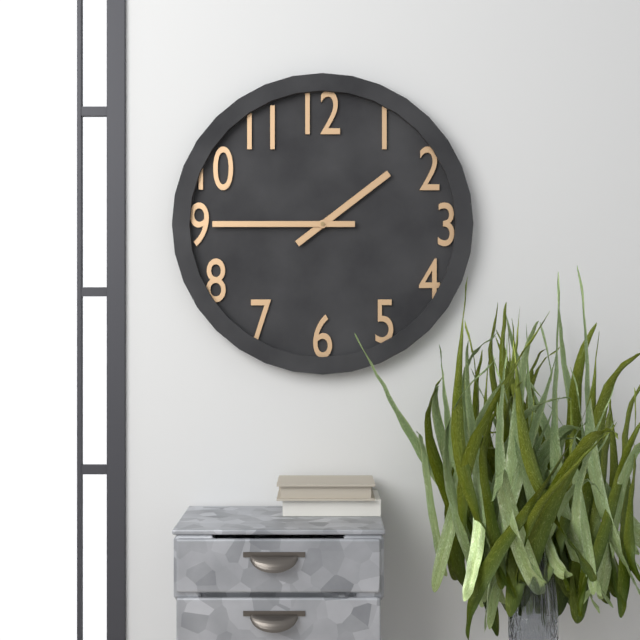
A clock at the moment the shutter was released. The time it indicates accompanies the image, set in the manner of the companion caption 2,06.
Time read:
1,45
